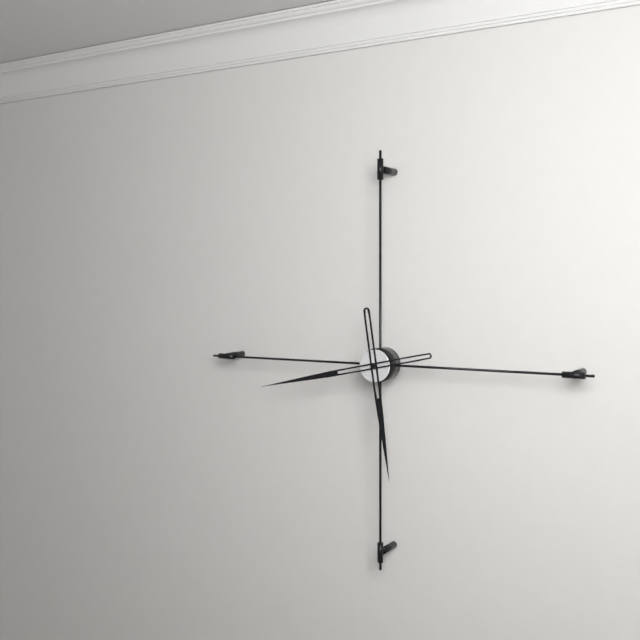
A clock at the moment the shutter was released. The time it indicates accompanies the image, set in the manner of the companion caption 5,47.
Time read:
5,43
